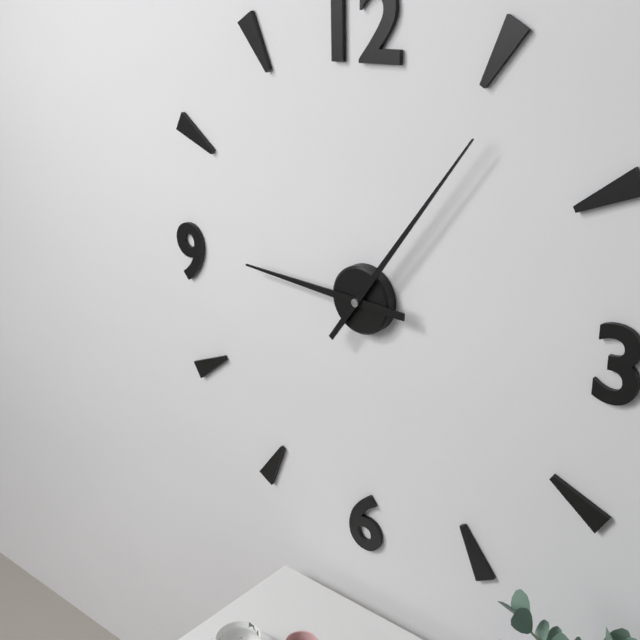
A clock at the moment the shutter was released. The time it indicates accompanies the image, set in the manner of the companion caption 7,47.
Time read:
9,06
